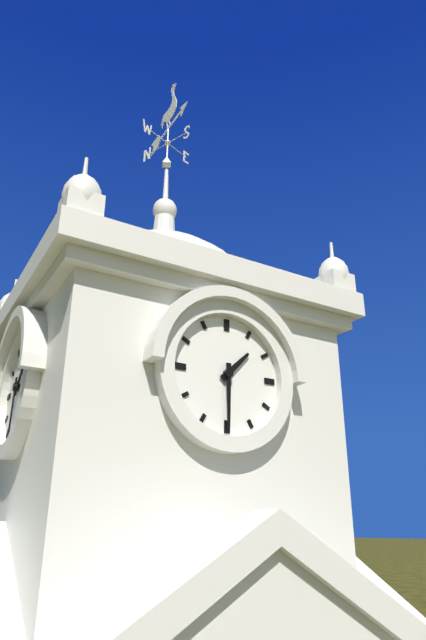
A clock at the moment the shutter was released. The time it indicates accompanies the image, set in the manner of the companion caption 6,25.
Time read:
1,30
